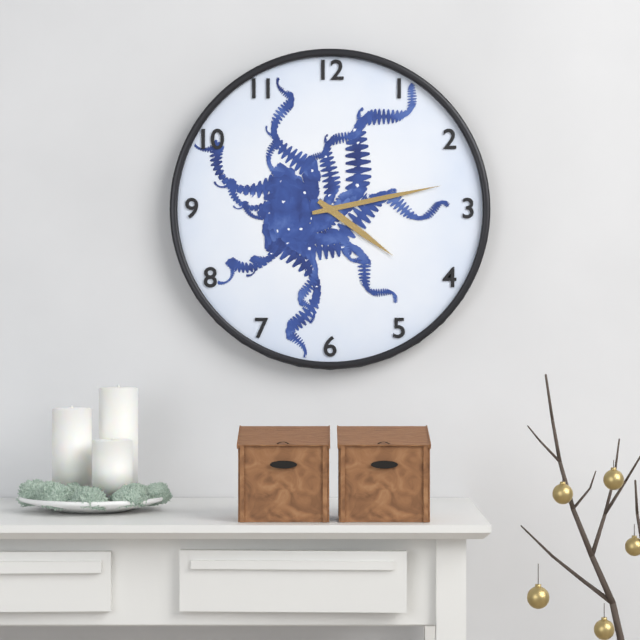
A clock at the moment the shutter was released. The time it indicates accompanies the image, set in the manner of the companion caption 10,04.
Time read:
4,13
